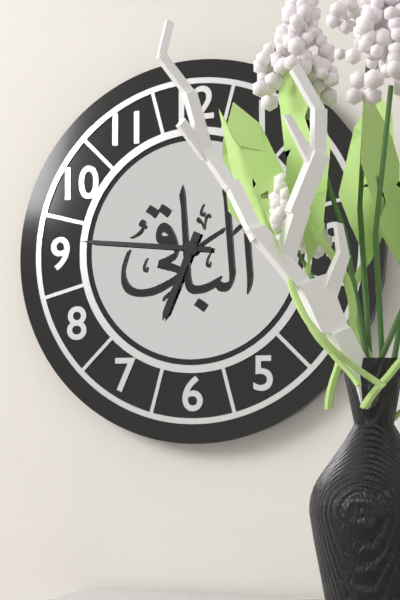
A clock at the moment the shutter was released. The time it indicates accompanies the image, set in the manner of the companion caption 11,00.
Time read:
6,46
